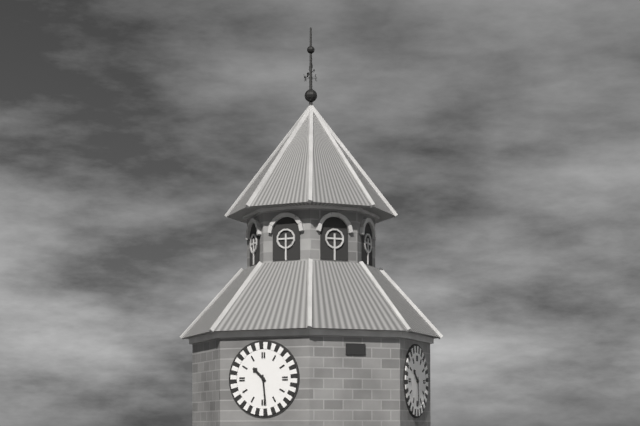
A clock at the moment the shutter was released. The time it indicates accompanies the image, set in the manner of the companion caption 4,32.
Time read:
10,29
